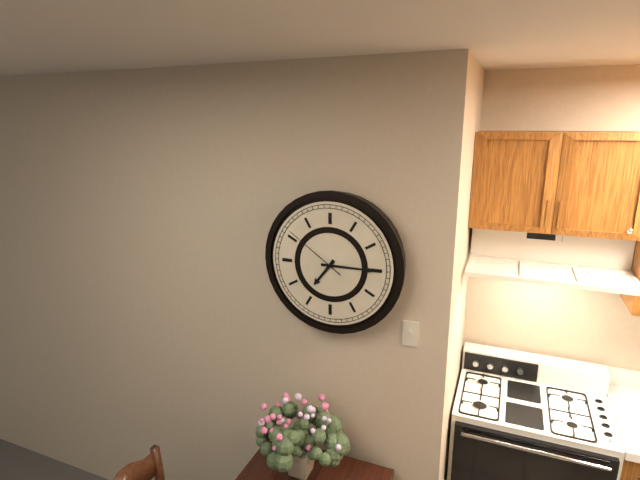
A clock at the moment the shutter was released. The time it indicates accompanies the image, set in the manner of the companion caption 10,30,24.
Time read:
7,15,51
